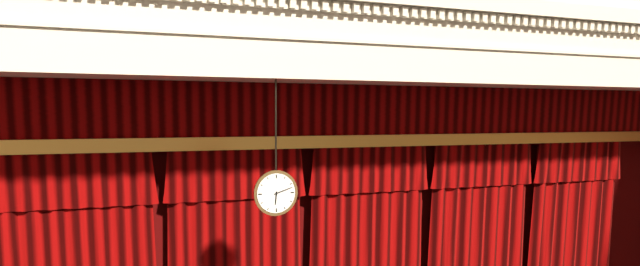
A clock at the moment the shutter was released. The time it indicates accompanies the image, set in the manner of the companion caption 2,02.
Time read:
6,12
